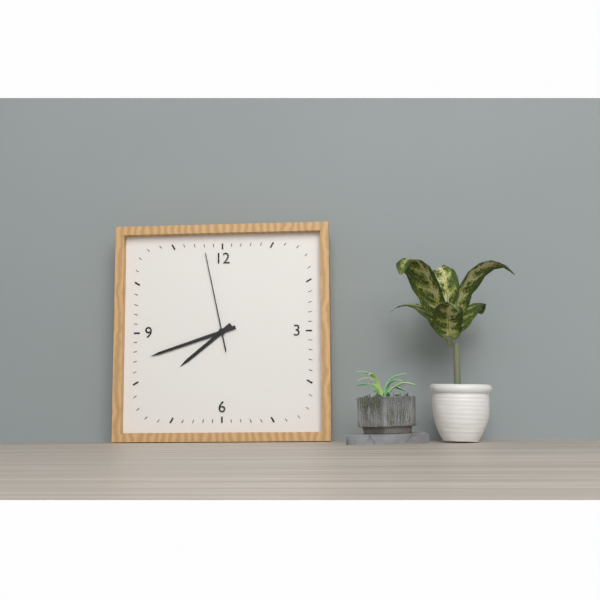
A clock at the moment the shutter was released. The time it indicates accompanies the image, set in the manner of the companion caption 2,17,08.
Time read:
7,42,58
